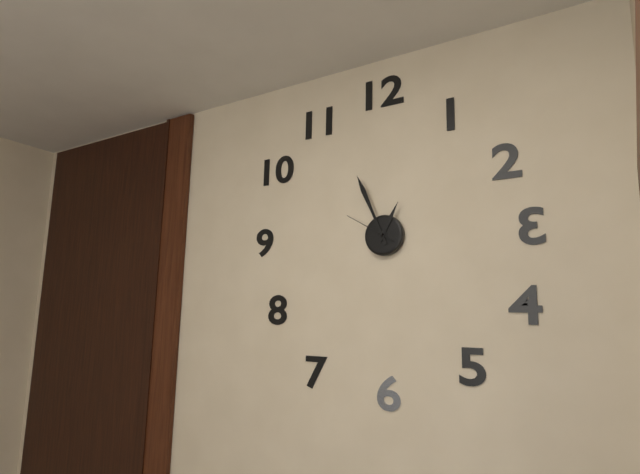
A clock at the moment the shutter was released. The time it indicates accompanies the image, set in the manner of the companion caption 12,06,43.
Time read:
12,56,50
